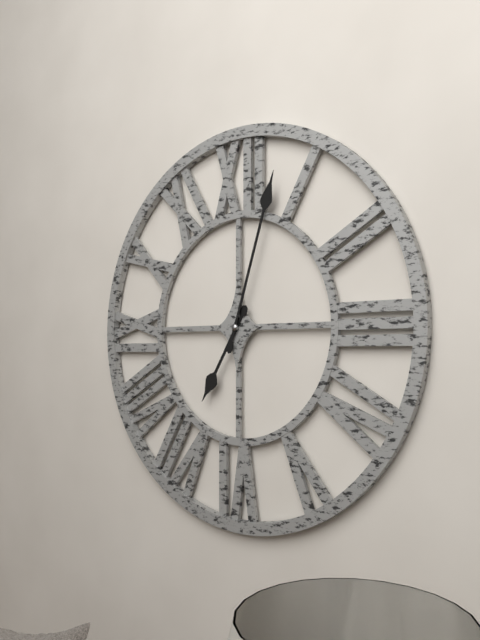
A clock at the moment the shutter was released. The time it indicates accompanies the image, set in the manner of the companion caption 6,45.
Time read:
7,03
